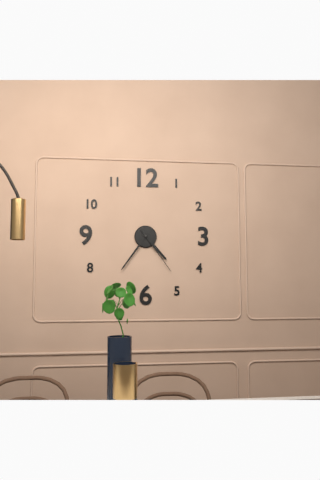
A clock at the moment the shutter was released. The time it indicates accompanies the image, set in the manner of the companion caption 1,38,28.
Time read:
4,36,24
